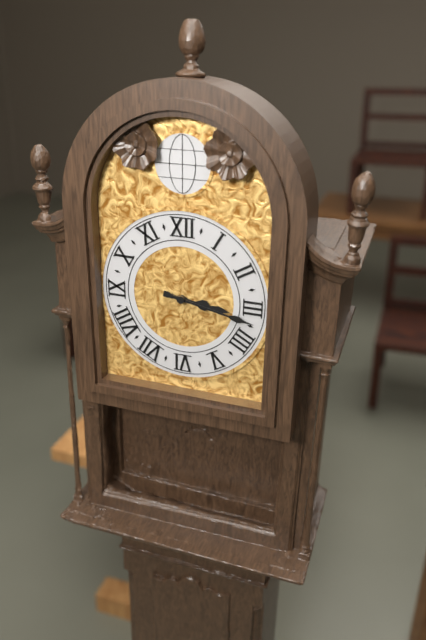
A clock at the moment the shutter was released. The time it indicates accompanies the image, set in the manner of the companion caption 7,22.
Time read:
3,17
